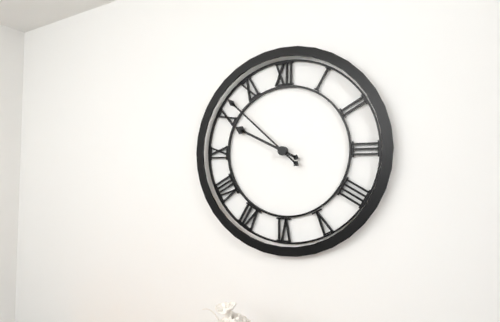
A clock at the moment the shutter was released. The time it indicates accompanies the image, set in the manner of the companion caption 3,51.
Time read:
9,52
